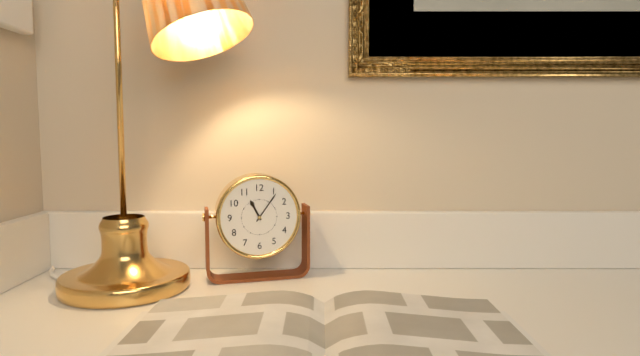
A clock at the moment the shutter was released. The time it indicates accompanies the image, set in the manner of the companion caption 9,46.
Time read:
11,06
